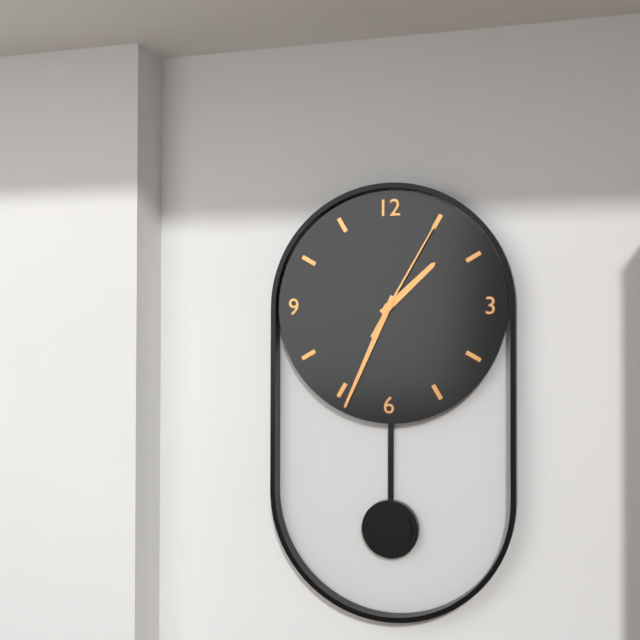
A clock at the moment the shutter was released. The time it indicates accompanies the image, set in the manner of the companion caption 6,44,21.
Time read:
1,34,05
